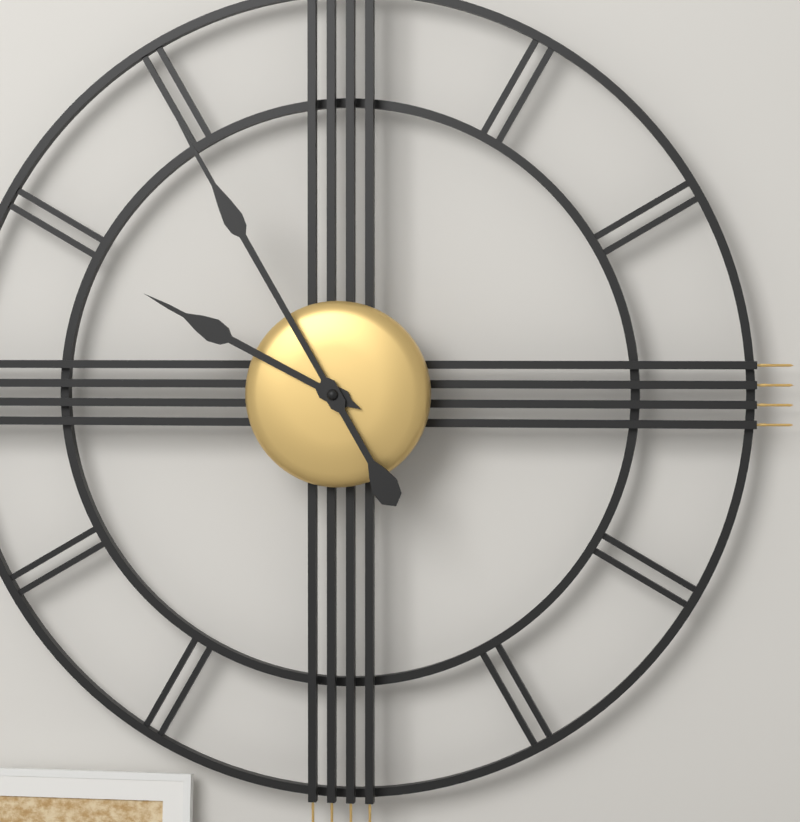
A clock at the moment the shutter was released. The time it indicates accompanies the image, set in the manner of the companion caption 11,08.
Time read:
9,55
